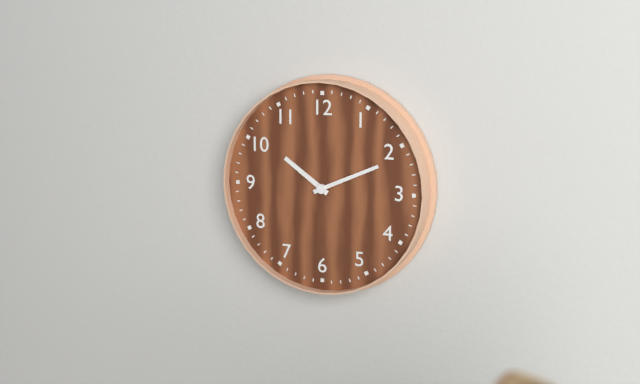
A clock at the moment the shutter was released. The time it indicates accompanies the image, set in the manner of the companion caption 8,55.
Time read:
10,11
